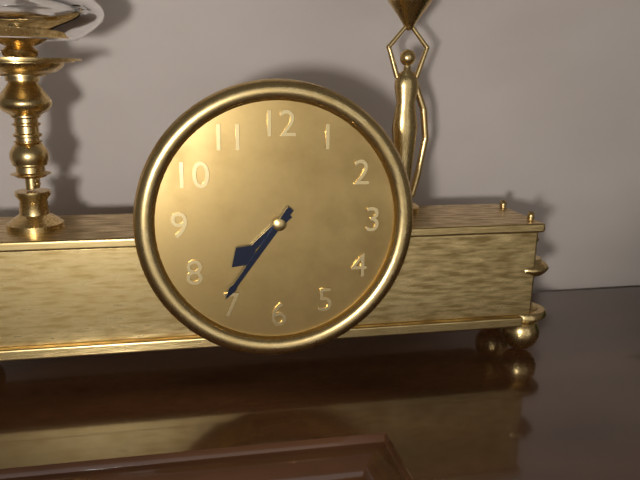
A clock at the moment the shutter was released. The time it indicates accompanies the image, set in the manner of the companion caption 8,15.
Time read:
7,36
